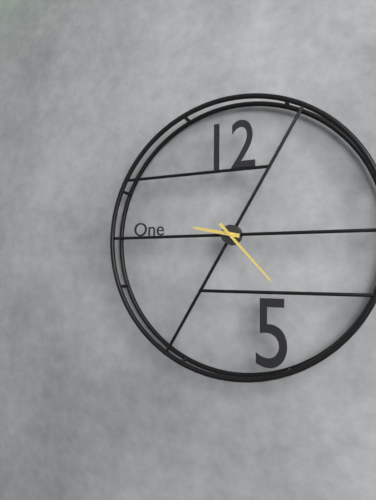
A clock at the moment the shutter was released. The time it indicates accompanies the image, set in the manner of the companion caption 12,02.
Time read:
9,23
